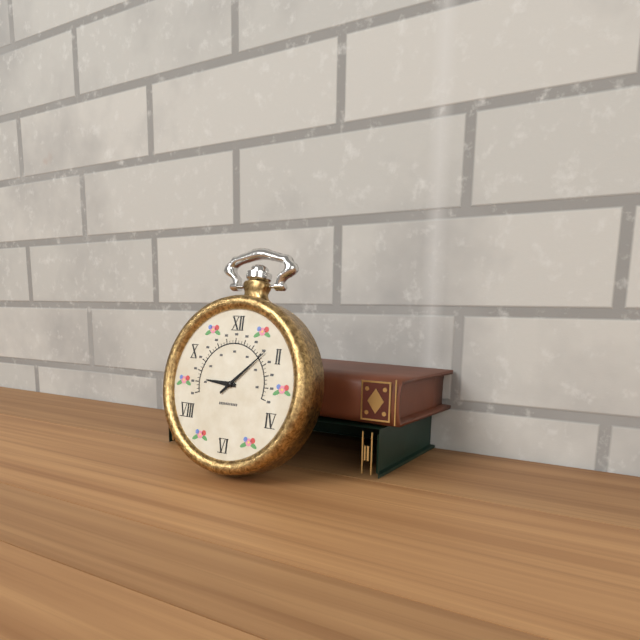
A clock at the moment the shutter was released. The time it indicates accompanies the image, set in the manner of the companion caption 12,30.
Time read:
9,08
